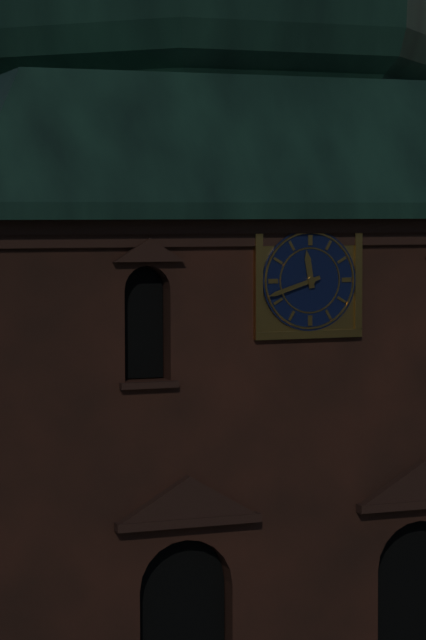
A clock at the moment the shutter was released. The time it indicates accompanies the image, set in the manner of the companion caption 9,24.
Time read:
11,42
